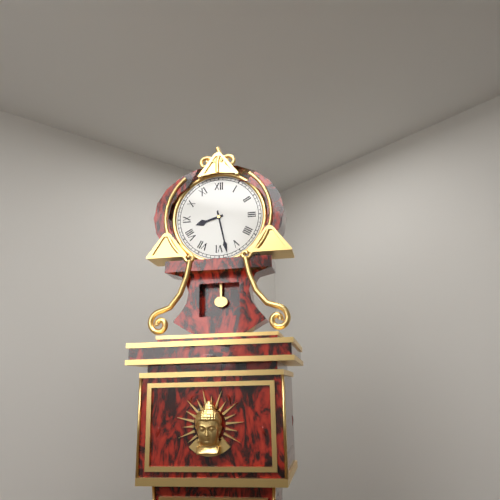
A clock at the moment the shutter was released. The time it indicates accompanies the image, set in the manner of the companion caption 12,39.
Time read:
8,28
